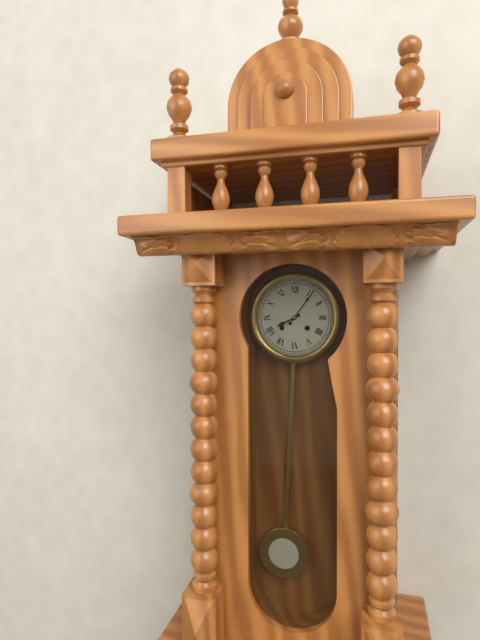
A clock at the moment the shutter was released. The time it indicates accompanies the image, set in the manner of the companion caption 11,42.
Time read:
8,06
